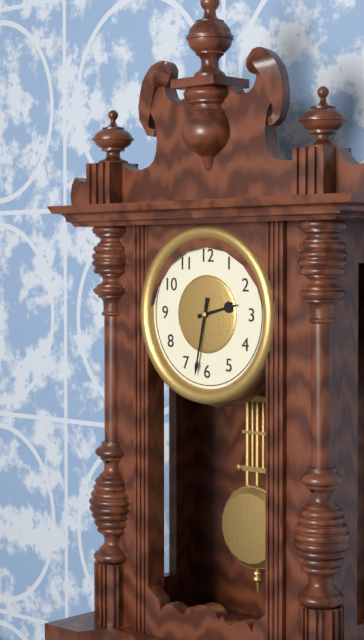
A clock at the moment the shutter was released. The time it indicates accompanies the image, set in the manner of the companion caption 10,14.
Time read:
2,32
